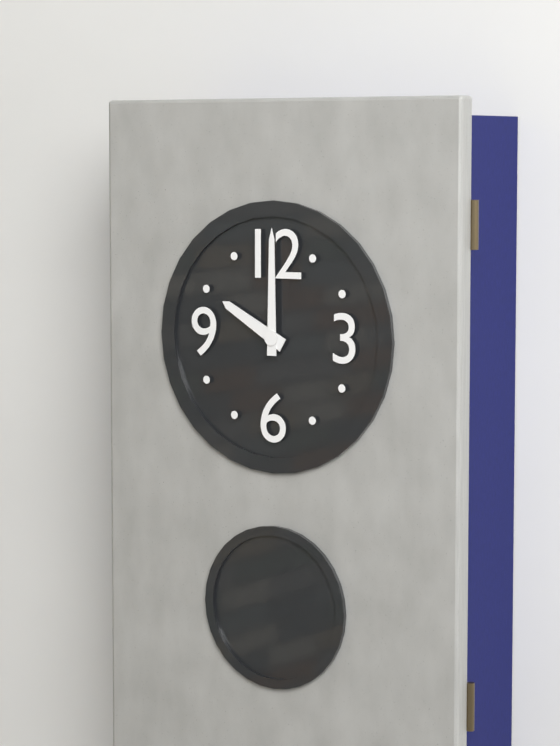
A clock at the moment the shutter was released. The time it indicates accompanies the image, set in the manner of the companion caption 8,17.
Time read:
10,00
